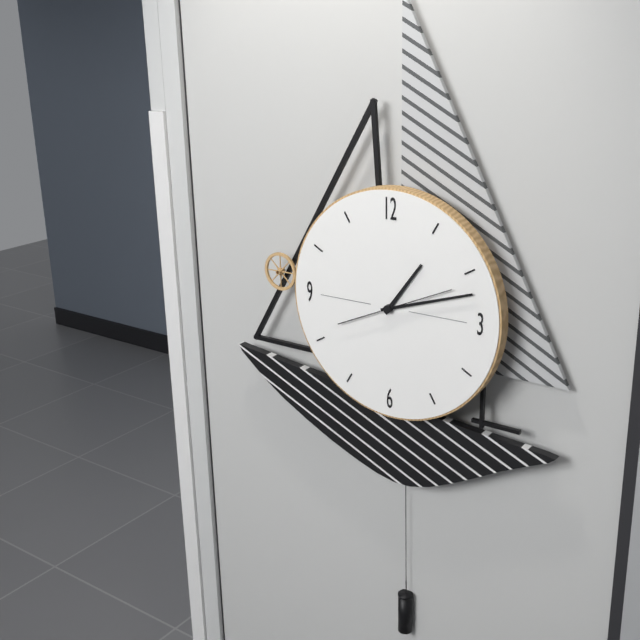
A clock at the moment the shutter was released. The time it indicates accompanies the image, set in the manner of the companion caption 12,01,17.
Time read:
1,12,11
